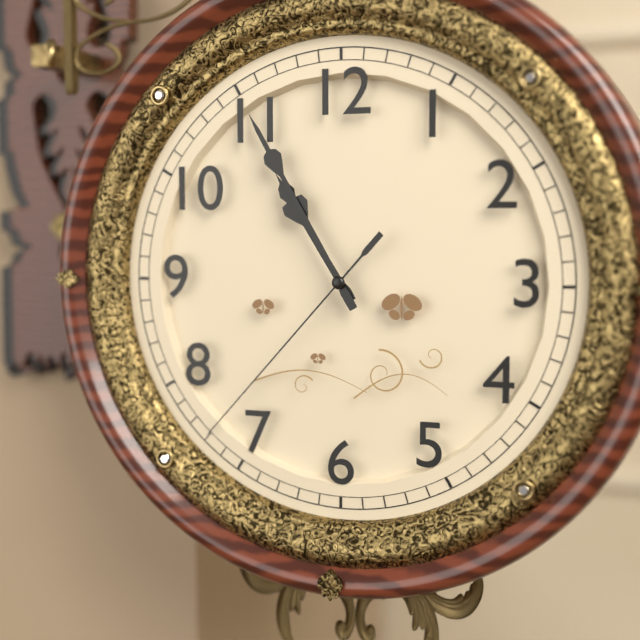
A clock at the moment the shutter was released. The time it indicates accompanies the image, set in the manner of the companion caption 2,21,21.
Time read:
10,55,37
